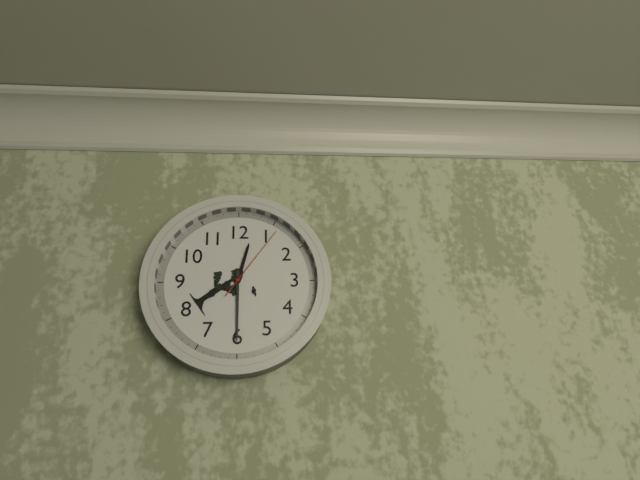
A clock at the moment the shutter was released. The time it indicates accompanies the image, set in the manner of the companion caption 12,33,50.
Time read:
12,30,06
